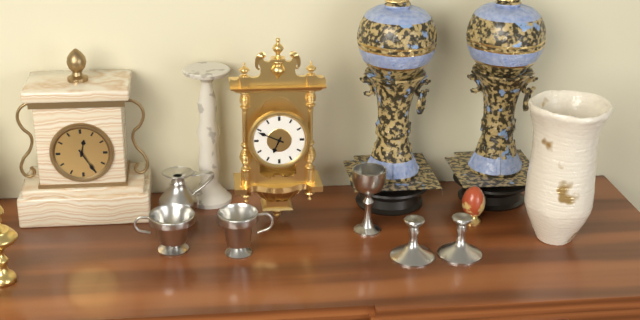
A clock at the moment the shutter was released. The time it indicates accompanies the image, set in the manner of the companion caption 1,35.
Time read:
6,49
